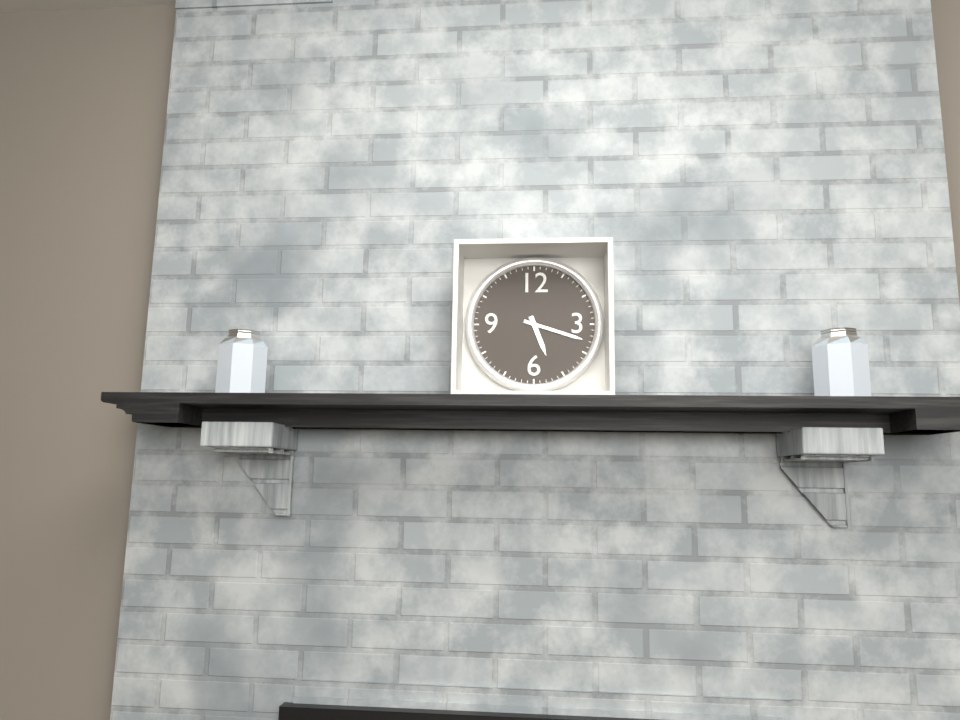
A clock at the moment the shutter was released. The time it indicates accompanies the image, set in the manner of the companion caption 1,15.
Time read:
5,18
